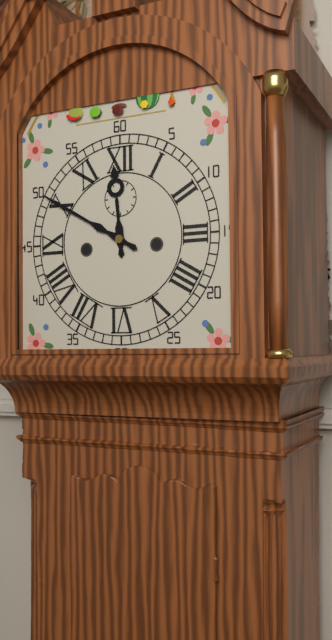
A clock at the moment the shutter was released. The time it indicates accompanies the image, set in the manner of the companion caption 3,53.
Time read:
11,50
